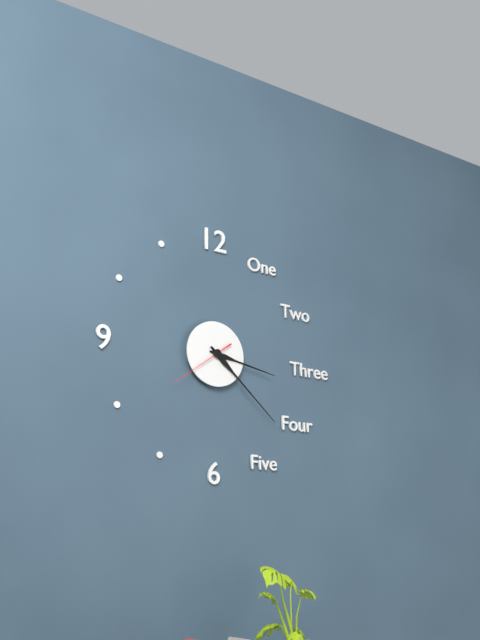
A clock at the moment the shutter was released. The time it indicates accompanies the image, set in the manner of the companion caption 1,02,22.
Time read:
3,22,39
